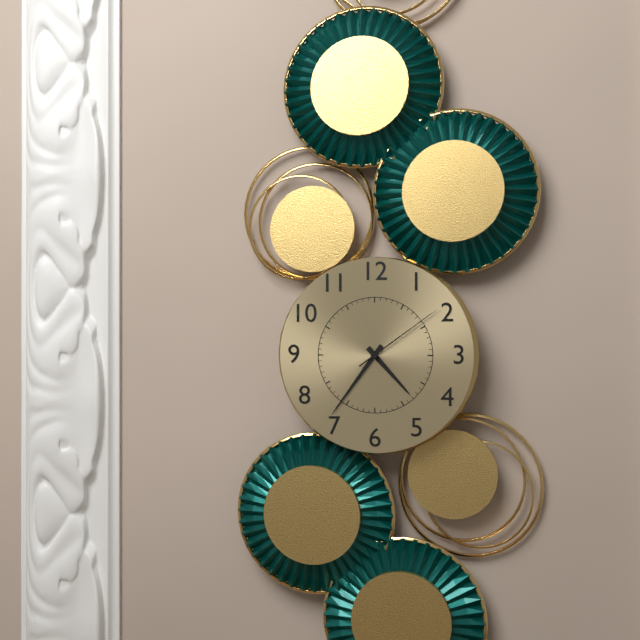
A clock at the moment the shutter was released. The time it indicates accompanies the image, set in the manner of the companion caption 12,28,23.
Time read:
4,36,09
